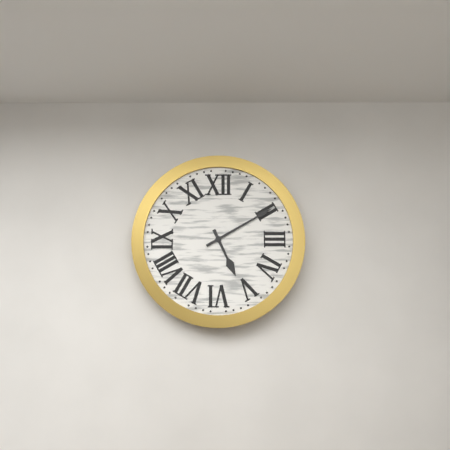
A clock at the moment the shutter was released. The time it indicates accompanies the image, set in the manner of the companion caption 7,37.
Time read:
5,10
